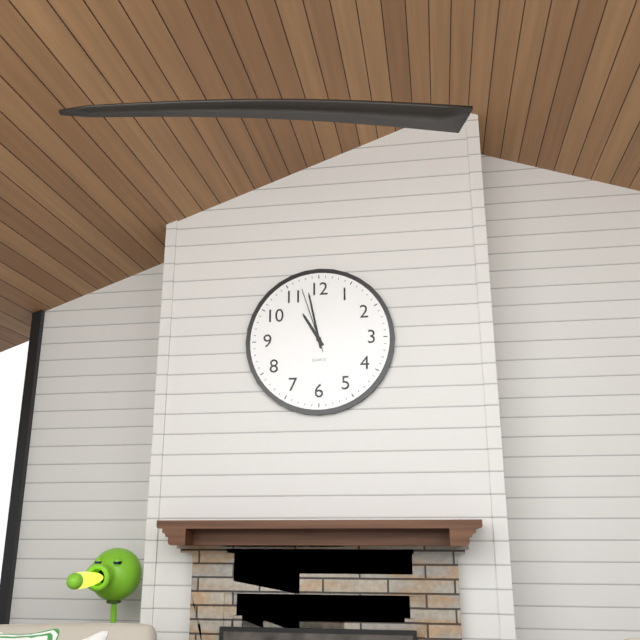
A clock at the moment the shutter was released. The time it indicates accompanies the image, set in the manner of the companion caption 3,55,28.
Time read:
10,58,57
